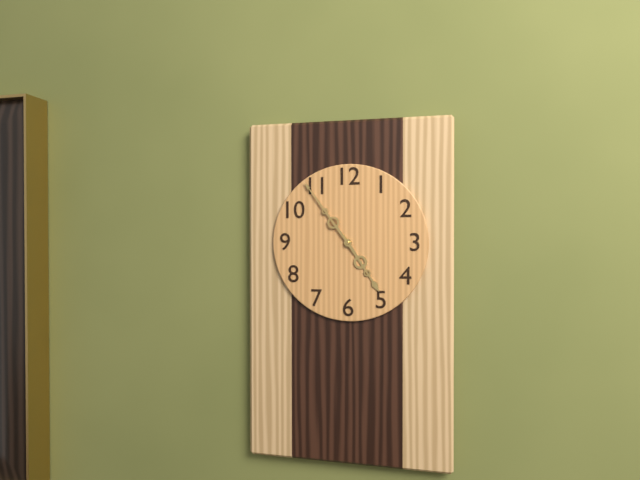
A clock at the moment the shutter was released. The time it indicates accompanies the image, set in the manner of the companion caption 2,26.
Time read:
4,54
